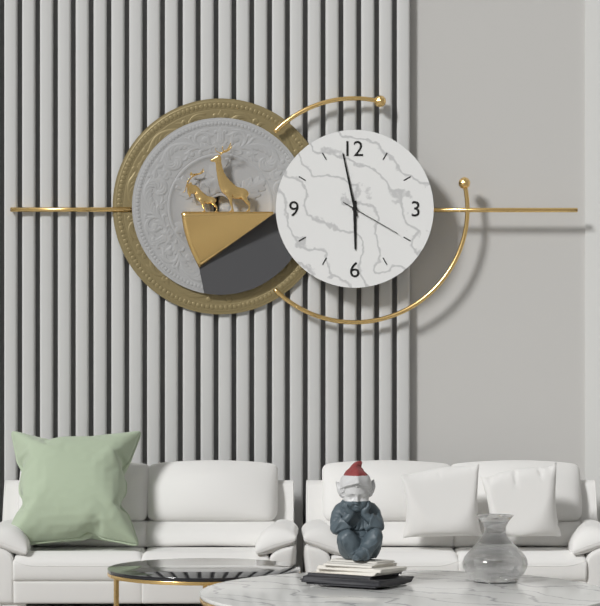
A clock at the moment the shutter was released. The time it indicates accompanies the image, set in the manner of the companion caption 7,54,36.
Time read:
5,58,20
